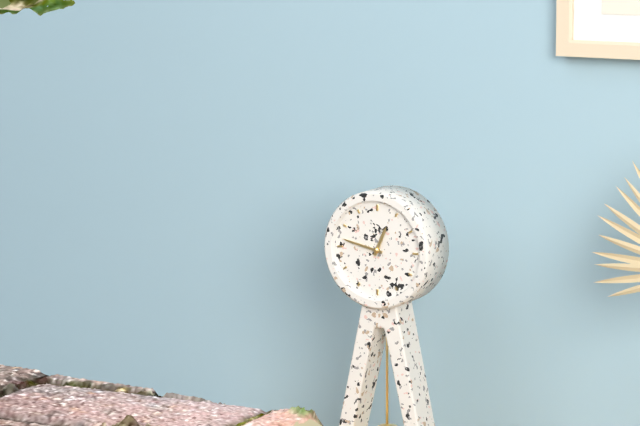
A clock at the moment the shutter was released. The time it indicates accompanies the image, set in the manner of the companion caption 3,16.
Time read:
12,47
